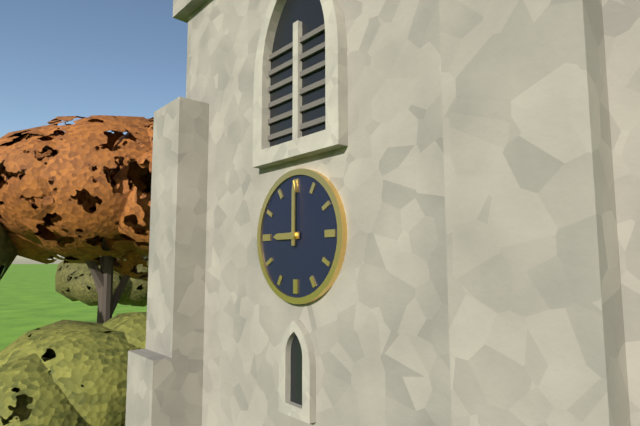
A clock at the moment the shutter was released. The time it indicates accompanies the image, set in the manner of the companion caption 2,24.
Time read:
9,00
